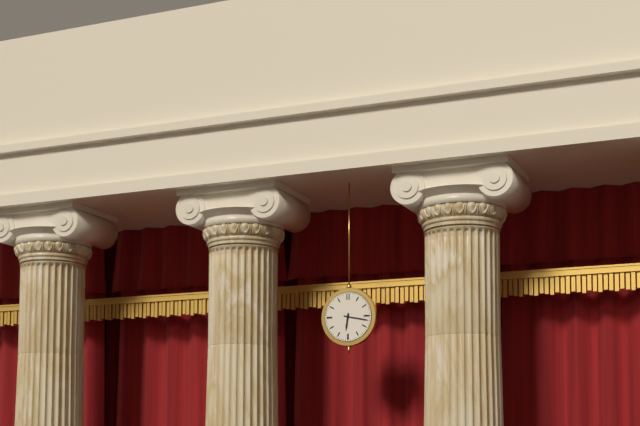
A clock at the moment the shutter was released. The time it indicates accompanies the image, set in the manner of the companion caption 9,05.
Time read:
6,17
